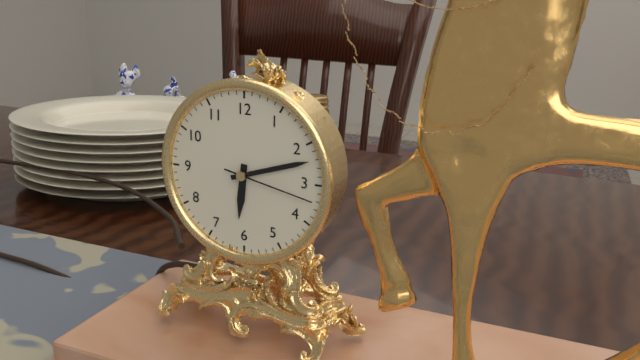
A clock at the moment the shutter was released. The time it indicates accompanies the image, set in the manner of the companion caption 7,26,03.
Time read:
6,12,17
